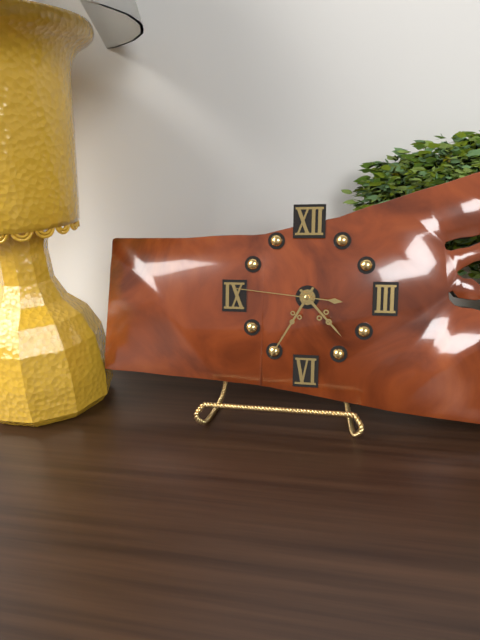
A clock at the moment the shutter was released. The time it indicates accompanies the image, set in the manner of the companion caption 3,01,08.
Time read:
4,35,46
